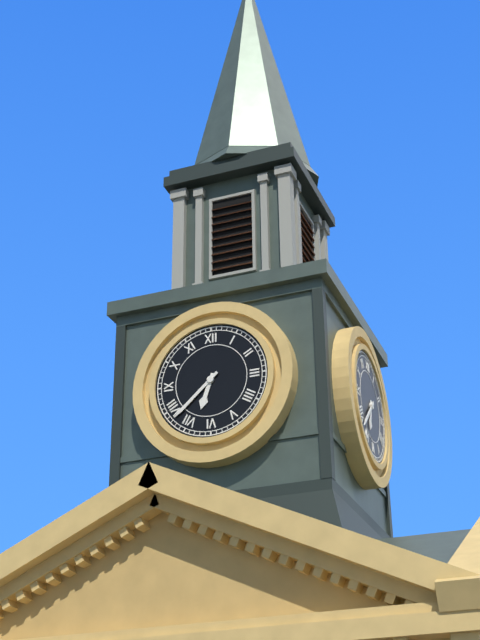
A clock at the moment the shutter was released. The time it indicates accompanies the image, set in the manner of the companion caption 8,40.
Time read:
6,38
